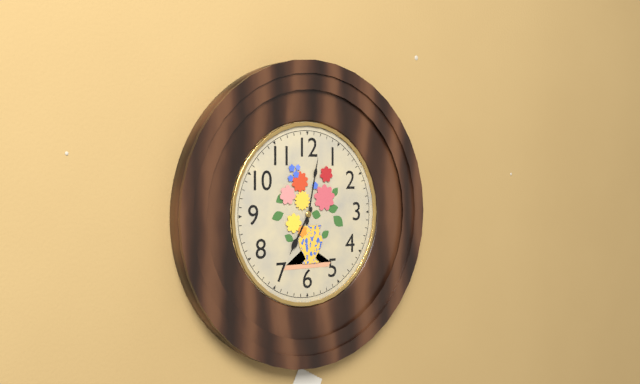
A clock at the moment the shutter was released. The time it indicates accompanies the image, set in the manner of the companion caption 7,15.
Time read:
7,02
